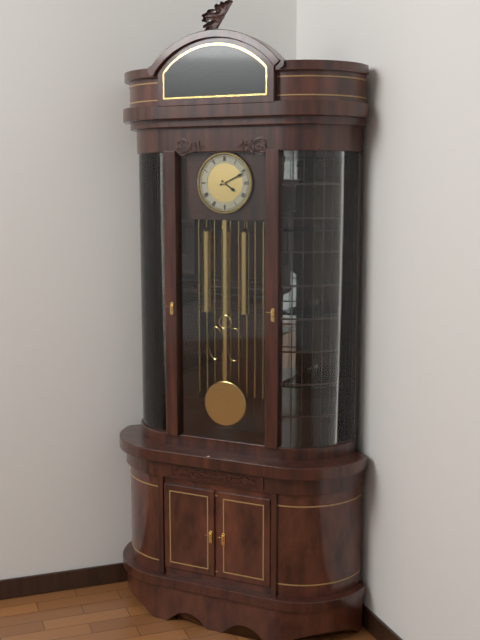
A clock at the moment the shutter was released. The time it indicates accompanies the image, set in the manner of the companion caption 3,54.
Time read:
4,11
